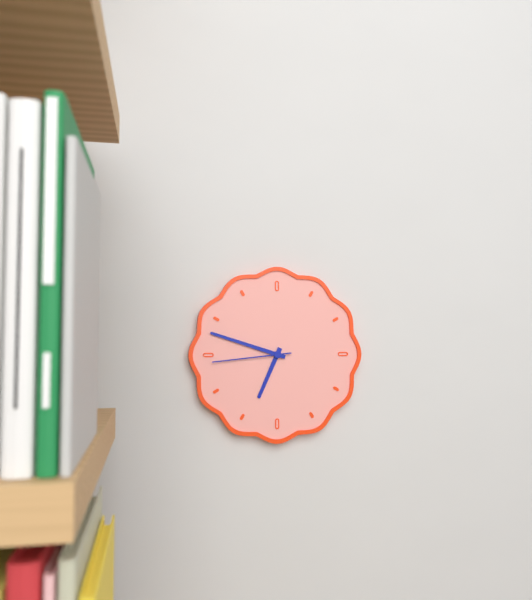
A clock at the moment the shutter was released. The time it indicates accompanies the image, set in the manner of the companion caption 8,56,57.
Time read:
6,48,44
